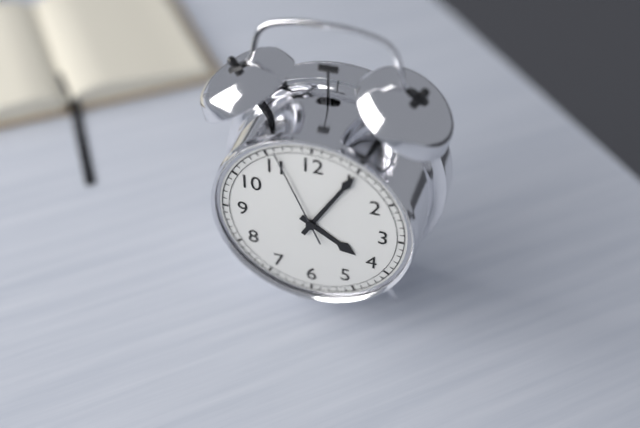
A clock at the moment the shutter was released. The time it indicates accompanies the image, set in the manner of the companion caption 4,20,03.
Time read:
4,05,56
